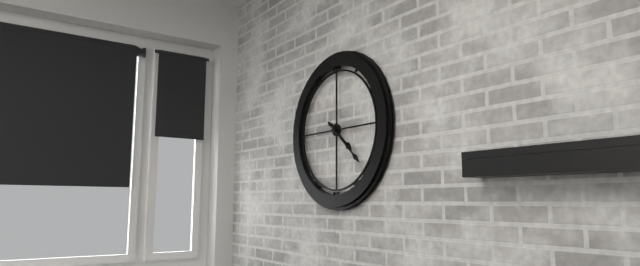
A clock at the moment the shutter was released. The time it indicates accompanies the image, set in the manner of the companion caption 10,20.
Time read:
4,22
